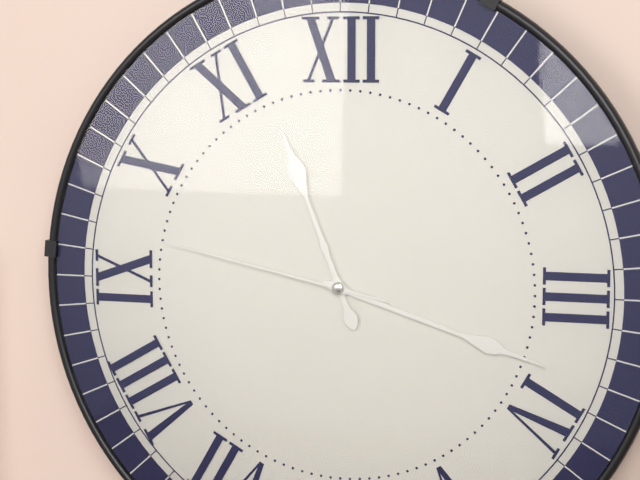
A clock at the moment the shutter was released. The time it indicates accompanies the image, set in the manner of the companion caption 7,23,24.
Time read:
11,18,47
